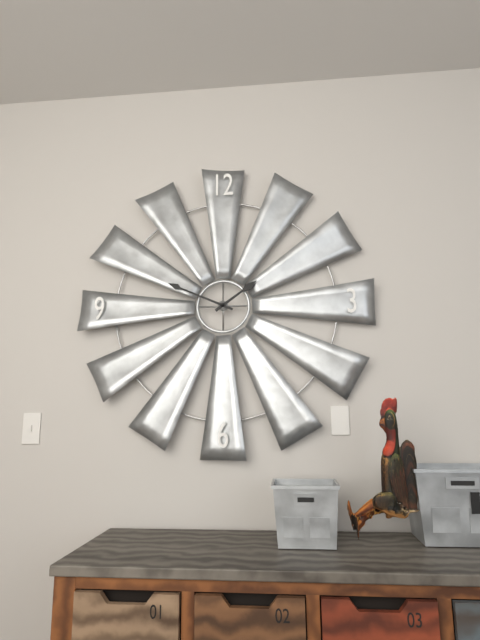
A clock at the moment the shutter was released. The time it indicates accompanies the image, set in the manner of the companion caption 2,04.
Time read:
1,49
